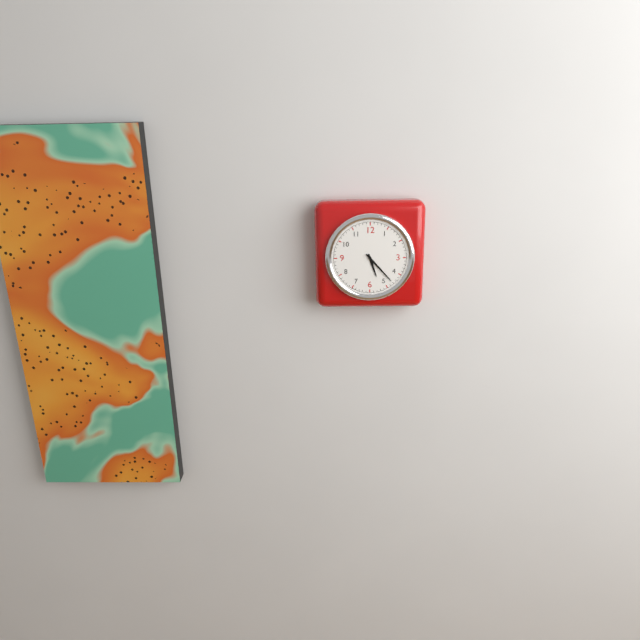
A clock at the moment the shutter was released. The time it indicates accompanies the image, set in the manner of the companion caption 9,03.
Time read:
5,23
